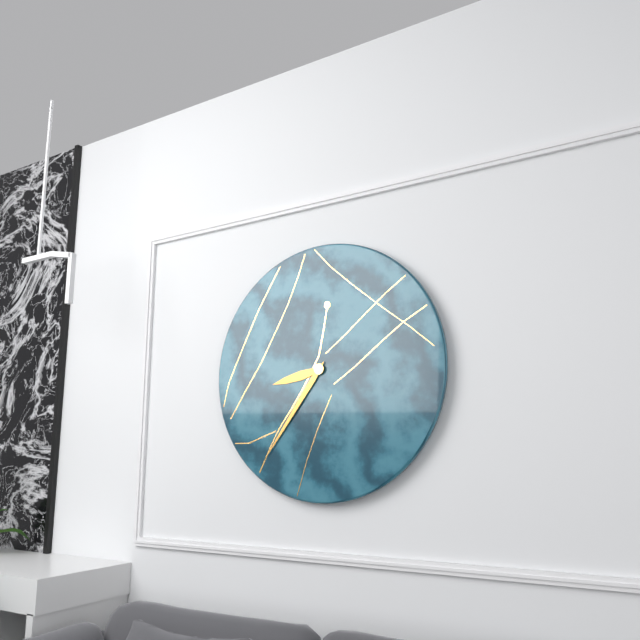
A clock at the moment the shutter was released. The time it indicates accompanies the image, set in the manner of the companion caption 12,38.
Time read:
8,36
